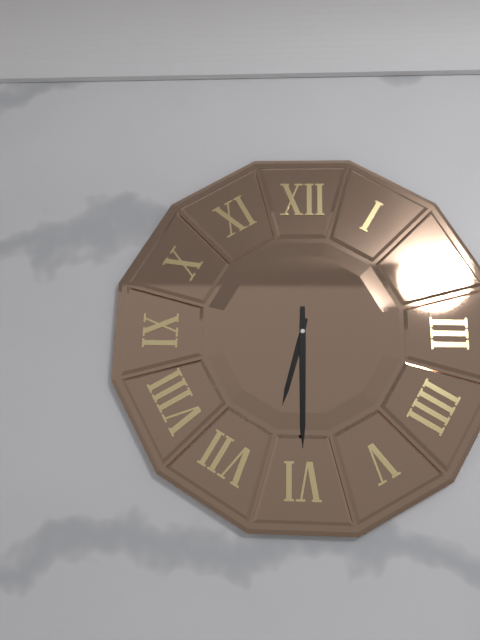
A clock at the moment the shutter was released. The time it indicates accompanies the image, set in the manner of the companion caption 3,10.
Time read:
6,30
